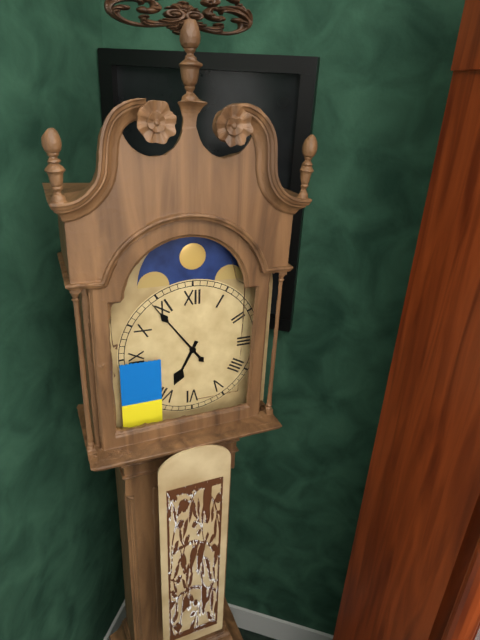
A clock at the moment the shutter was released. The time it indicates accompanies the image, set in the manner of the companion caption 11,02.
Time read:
6,54
